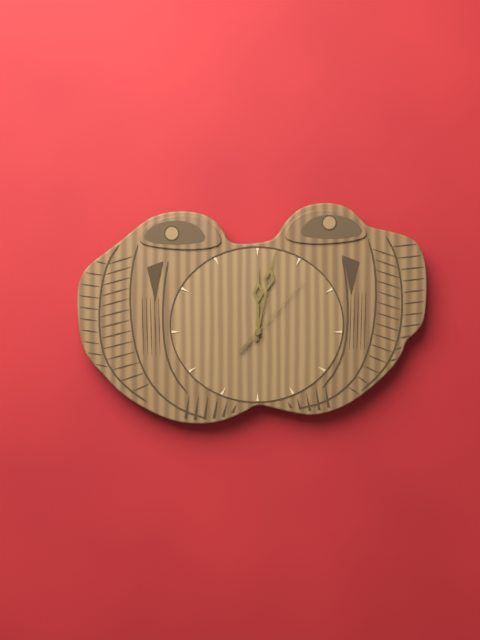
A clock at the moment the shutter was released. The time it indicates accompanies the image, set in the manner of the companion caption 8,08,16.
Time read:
12,02,07
